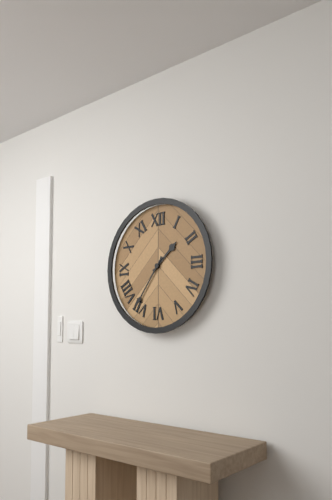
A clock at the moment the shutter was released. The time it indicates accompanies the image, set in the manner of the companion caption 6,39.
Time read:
1,36
